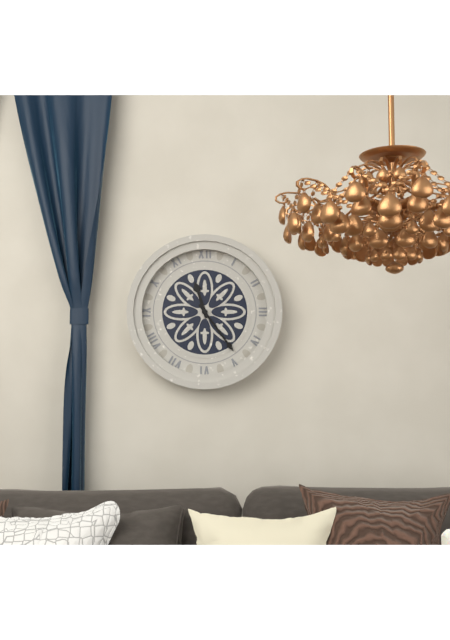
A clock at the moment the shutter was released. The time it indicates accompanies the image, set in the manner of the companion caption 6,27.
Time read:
11,24
